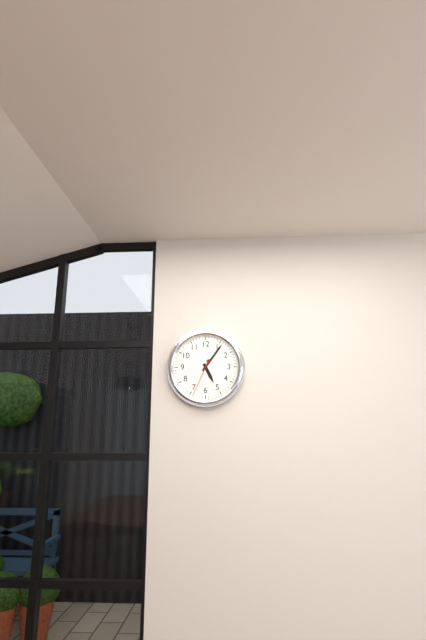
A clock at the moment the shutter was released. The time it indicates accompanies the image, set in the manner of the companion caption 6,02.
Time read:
5,06
